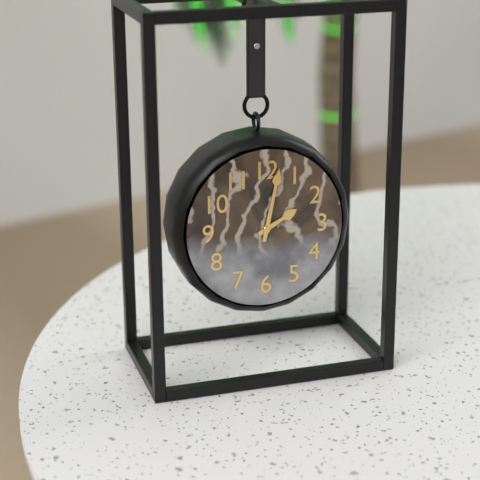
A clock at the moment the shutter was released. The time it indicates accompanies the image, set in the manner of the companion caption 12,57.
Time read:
2,02
